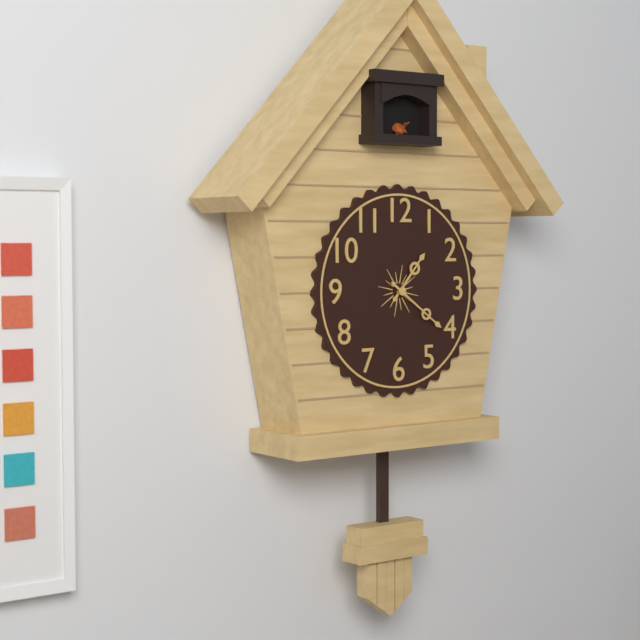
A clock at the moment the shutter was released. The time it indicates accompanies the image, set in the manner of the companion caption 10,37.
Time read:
1,21
